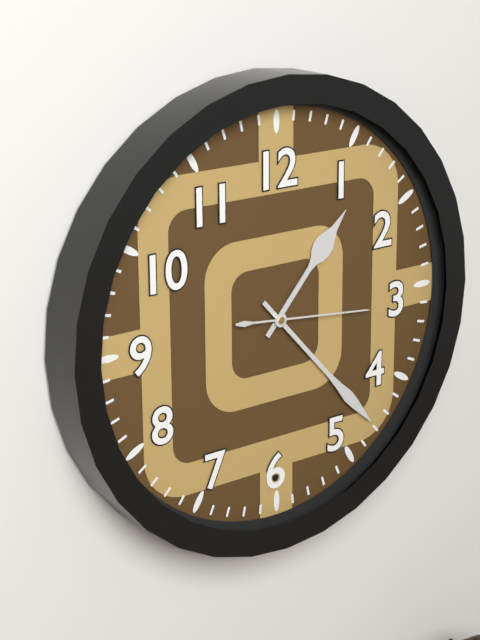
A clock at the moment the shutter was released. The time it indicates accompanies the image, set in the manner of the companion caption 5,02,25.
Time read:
1,23,16
